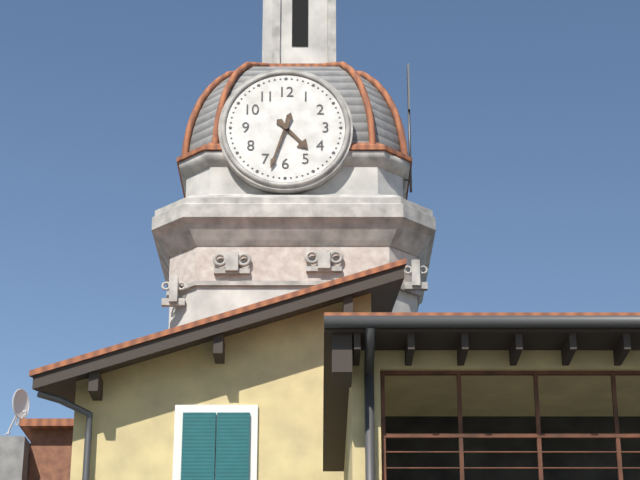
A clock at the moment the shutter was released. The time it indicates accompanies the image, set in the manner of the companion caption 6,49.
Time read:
4,33
